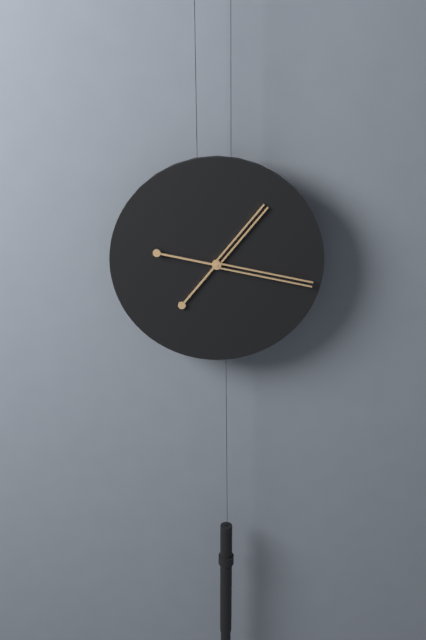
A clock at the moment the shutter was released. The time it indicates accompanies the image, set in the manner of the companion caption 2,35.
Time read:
1,17
